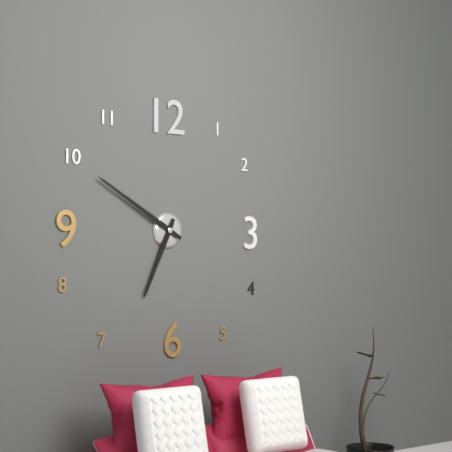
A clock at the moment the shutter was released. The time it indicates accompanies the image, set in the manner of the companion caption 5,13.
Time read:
6,50
